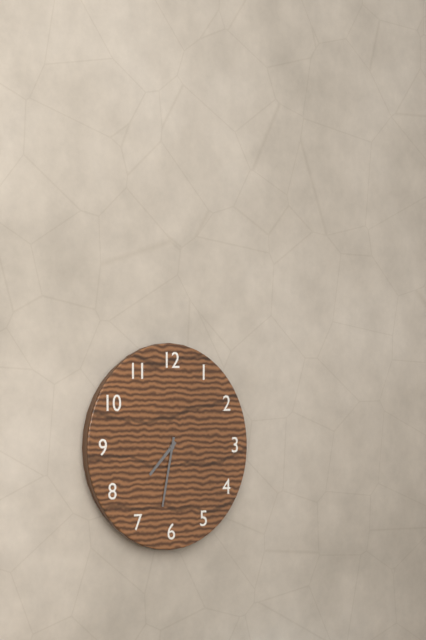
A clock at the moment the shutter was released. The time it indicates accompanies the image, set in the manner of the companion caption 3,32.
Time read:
7,32
